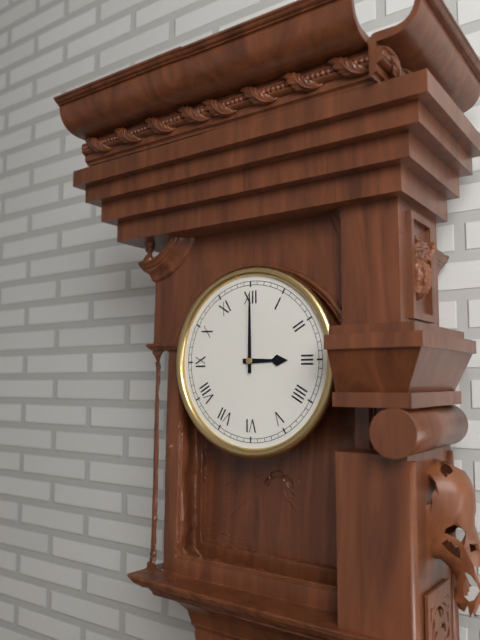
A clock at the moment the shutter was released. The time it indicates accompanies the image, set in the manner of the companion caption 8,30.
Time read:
3,00
